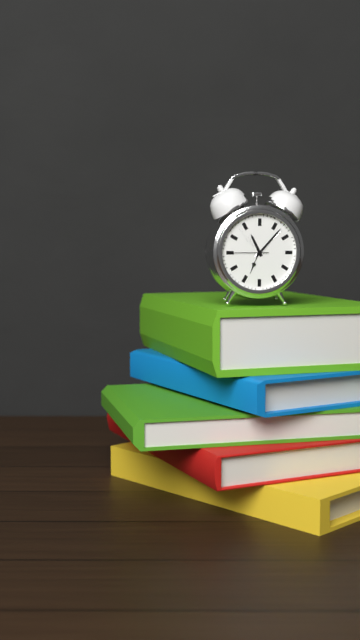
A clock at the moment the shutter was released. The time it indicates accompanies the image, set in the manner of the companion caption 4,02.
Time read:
11,07
